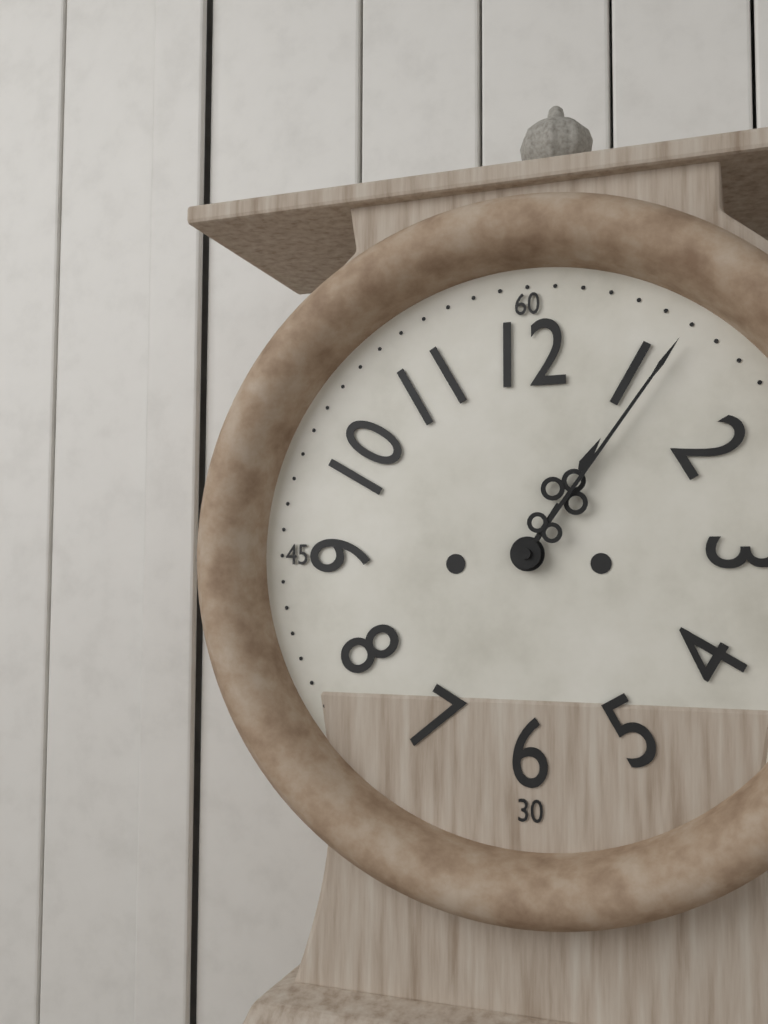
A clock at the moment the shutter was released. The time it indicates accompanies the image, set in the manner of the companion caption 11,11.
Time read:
1,06
